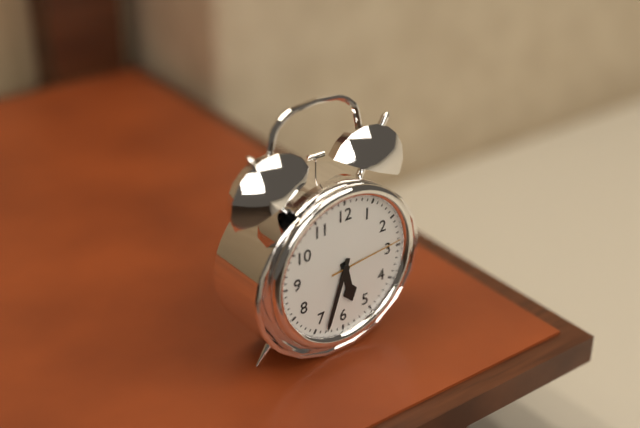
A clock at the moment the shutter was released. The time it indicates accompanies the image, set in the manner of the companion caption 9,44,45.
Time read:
5,33,14
